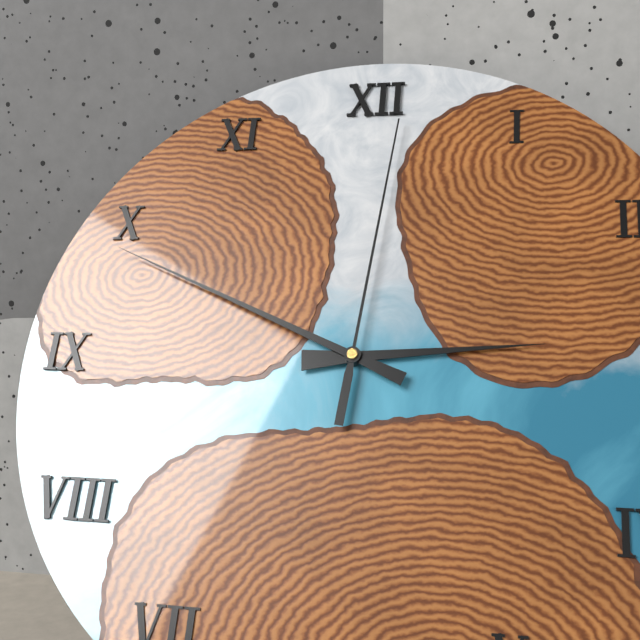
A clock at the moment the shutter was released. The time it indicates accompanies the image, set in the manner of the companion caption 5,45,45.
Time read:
2,49,01
